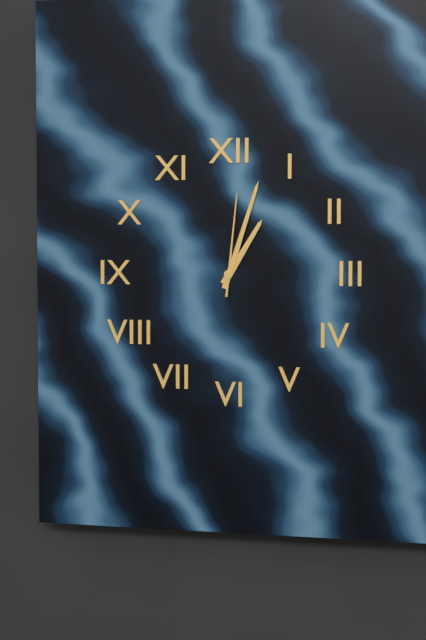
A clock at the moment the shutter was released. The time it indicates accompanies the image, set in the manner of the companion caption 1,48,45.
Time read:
1,03,01
